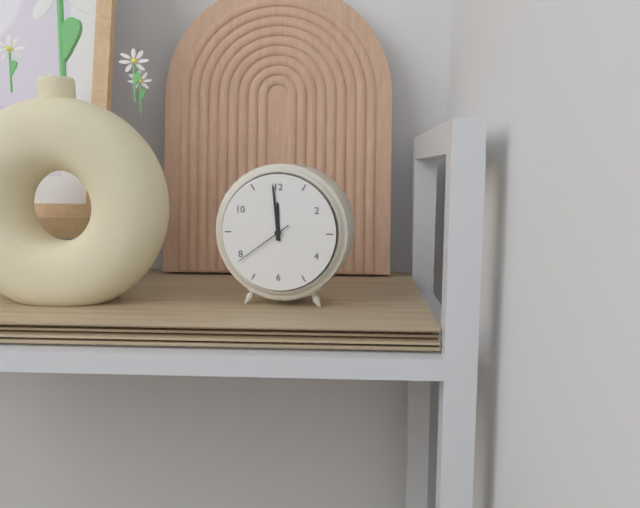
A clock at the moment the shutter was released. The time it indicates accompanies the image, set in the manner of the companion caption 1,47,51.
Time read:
11,59,39
